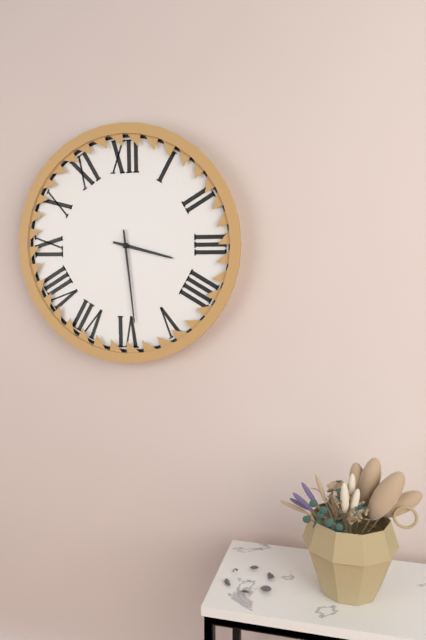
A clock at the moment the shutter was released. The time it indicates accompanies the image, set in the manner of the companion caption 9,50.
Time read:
3,29
